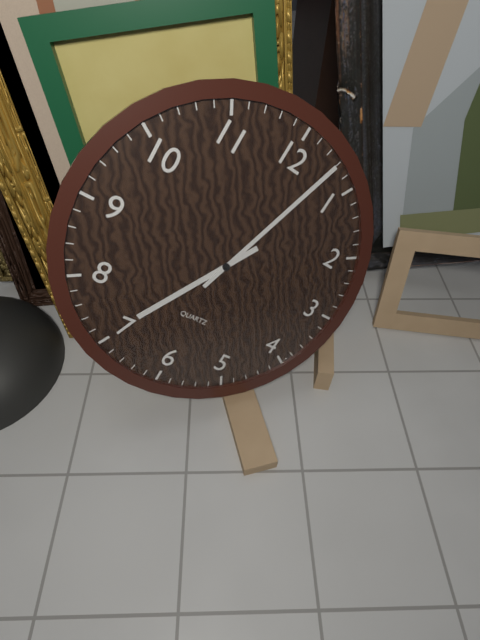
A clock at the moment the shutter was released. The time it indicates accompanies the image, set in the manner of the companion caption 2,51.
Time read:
7,03
